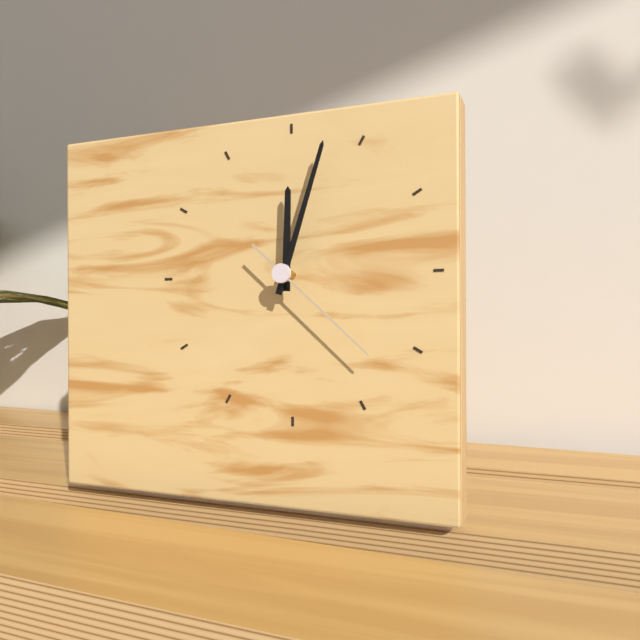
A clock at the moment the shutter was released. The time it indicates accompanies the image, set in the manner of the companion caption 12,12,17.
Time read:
12,03,22
